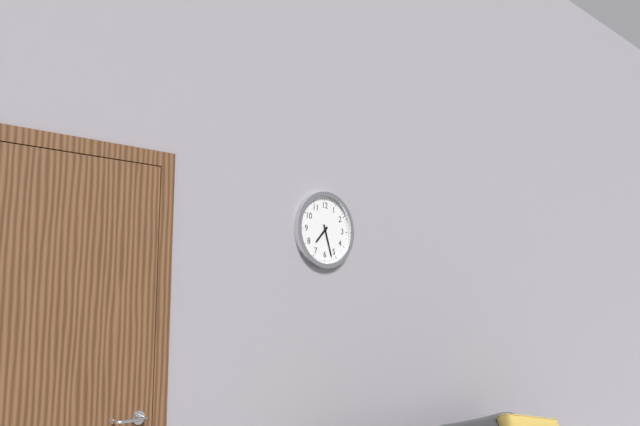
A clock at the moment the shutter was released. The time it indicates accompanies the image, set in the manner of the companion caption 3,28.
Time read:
7,27
